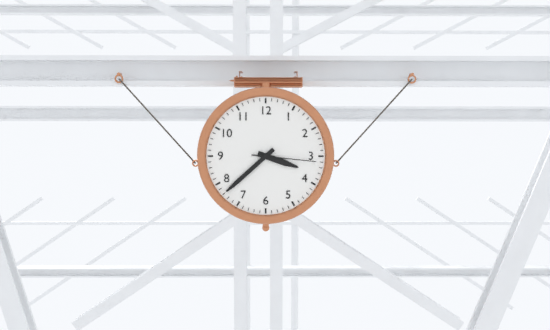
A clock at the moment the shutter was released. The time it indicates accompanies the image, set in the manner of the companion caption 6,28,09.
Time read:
3,38,16
